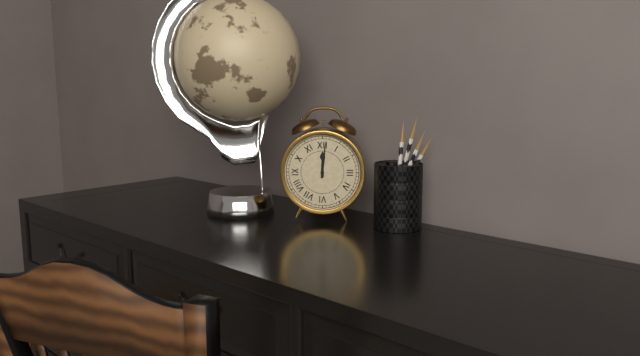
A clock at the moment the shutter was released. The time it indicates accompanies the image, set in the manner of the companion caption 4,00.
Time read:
12,01
